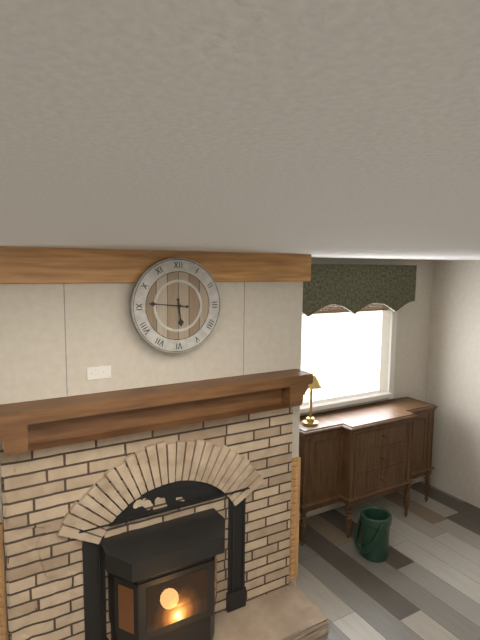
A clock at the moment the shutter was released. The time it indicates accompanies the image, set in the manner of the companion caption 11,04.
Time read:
5,46
